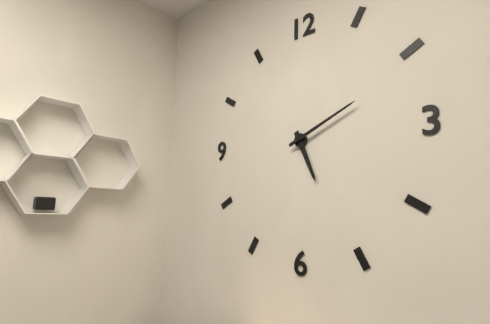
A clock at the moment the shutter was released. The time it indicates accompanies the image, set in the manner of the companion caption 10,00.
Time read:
5,11
